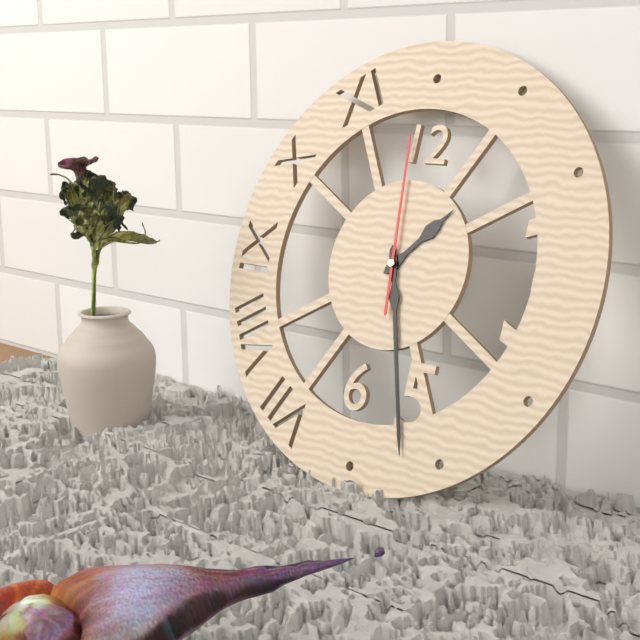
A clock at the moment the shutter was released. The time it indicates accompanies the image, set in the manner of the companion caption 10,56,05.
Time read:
1,27,59
